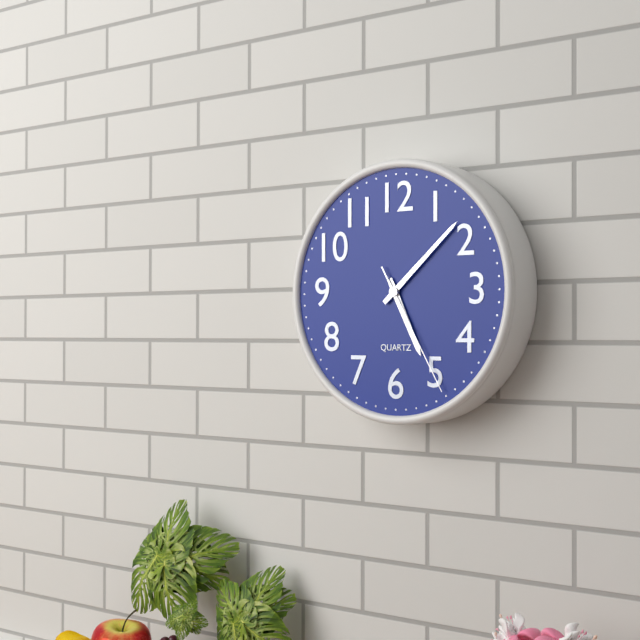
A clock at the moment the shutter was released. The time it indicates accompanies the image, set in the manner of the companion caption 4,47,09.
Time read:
5,08,25
